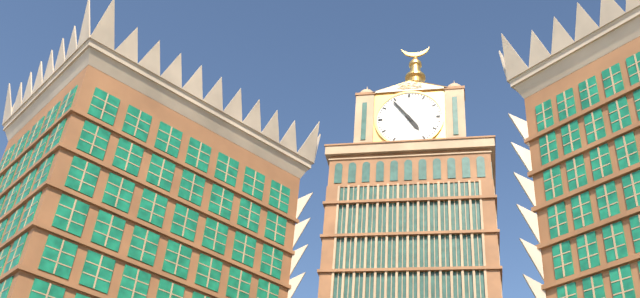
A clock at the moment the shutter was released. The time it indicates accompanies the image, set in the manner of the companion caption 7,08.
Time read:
4,54
